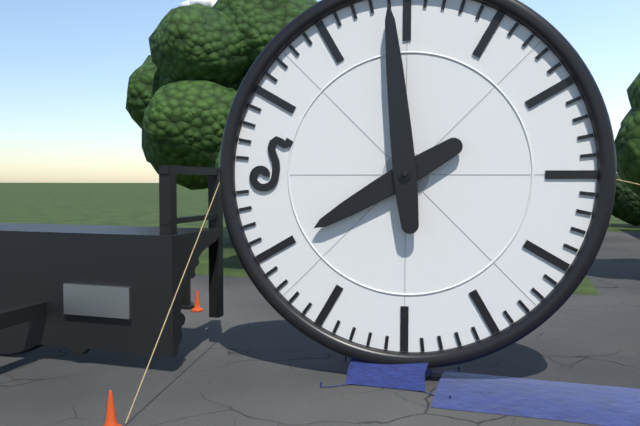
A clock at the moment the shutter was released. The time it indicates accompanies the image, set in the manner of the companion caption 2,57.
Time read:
7,59
